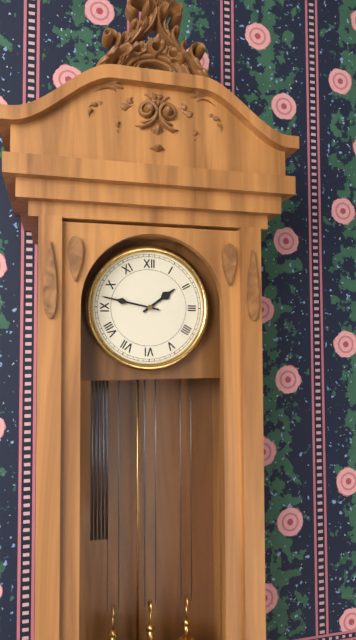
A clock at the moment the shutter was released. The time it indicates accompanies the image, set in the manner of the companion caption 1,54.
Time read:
1,47
